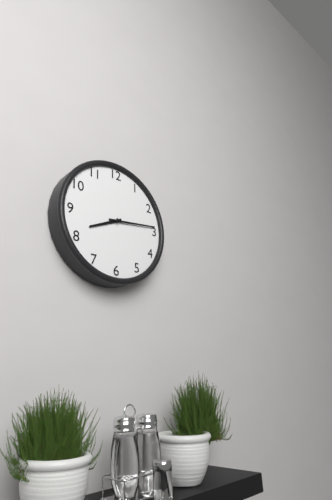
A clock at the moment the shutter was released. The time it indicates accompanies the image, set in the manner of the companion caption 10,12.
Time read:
8,14
